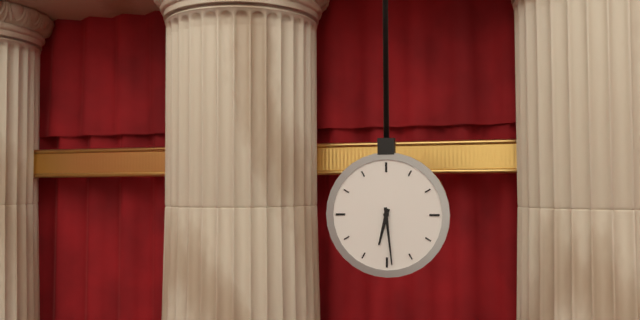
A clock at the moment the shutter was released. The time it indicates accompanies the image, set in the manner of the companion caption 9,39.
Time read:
6,29
